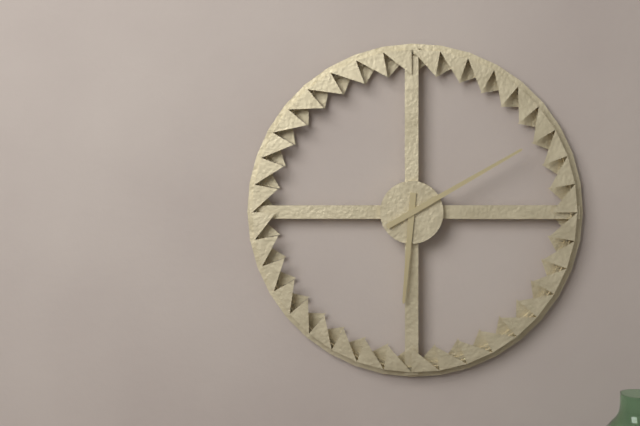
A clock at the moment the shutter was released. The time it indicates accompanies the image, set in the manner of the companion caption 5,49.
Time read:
6,10
